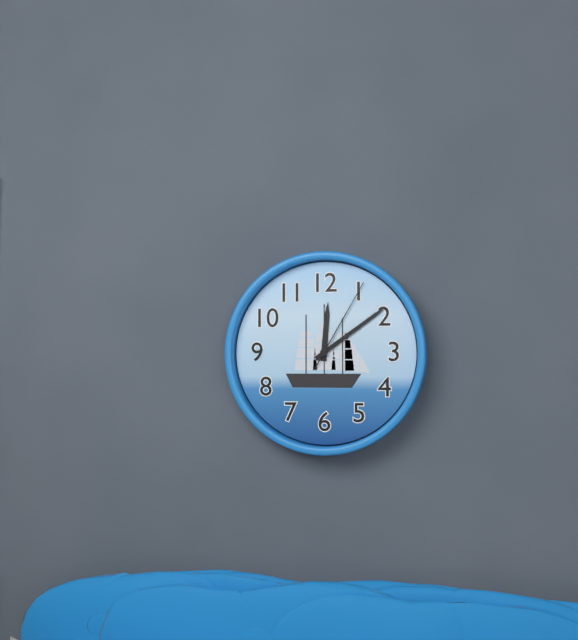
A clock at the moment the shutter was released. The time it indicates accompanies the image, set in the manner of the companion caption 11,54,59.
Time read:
12,09,05
